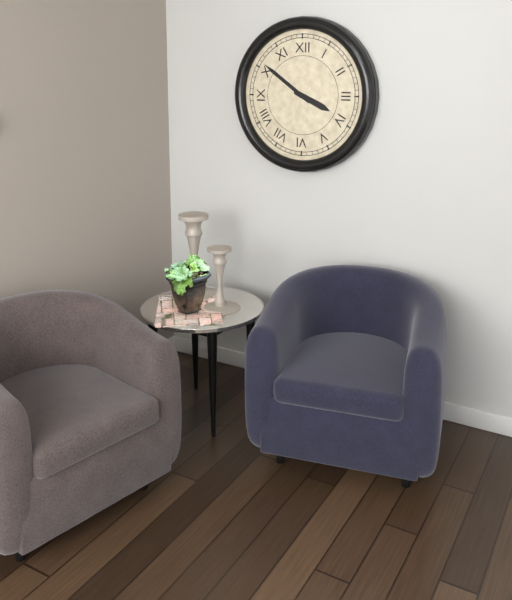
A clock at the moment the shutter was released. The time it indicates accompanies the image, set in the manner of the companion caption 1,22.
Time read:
3,51
